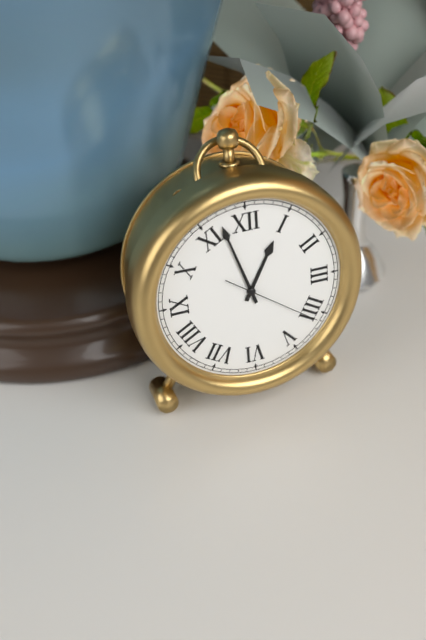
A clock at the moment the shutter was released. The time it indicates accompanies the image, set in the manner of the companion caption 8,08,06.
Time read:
12,57,21
